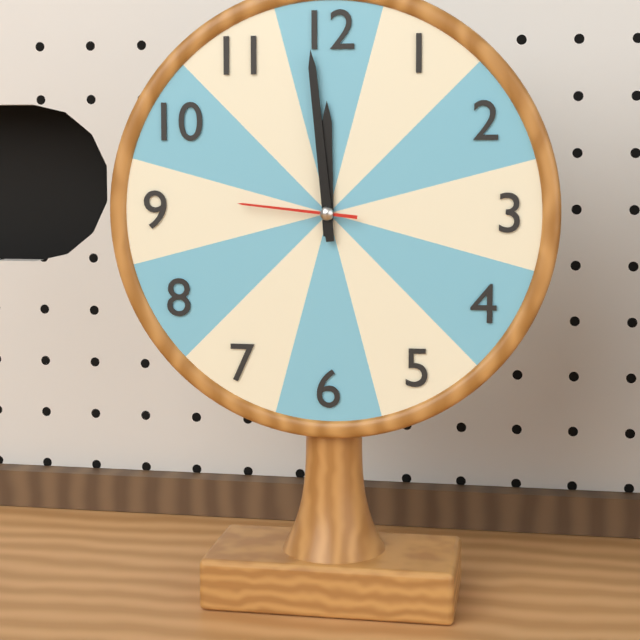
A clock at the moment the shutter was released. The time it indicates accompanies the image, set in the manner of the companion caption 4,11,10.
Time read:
11,59,46
